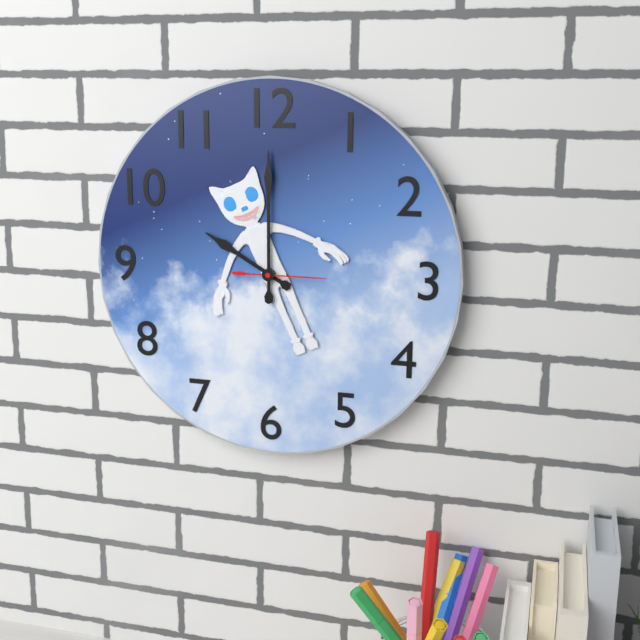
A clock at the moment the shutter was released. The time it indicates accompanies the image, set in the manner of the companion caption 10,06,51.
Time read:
10,00,15
